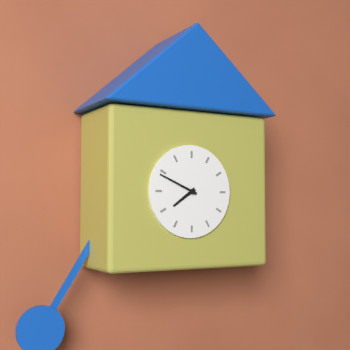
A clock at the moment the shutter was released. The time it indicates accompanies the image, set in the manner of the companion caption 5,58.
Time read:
7,49
